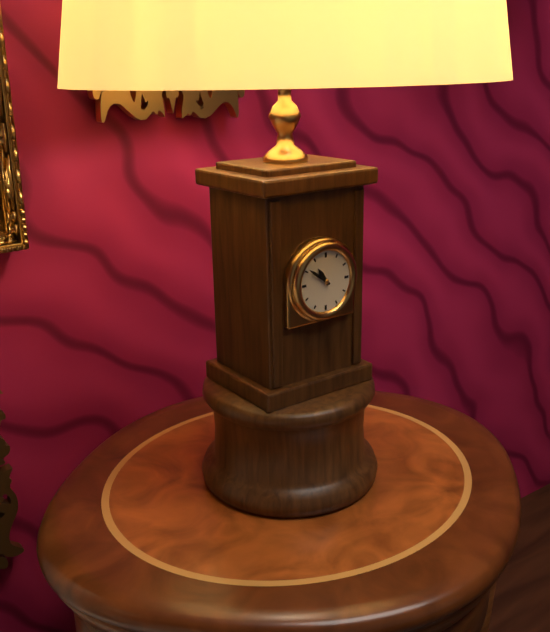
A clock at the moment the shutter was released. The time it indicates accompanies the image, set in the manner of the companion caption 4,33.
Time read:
10,51
